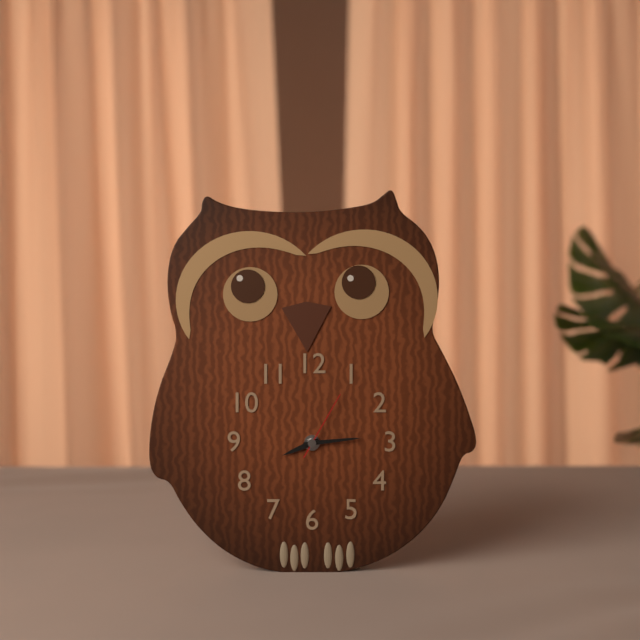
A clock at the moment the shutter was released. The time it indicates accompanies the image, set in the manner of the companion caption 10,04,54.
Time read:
8,14,05
